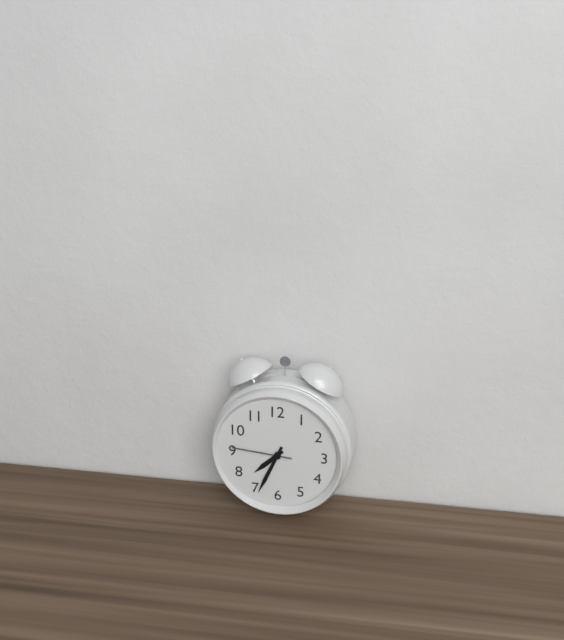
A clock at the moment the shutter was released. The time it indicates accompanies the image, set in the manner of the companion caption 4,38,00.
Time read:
7,34,46
